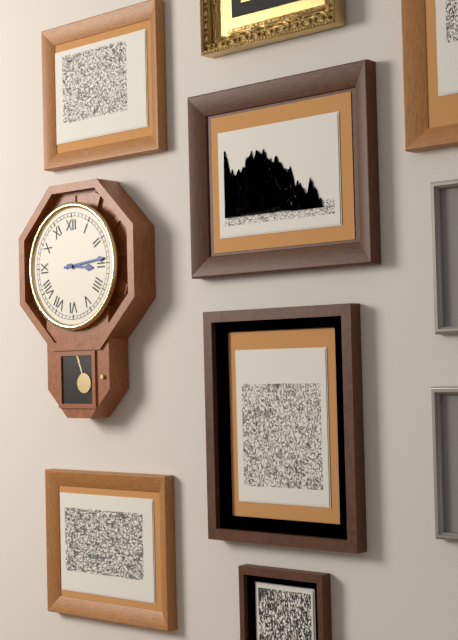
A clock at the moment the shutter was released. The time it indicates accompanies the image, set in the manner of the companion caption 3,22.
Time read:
3,14
